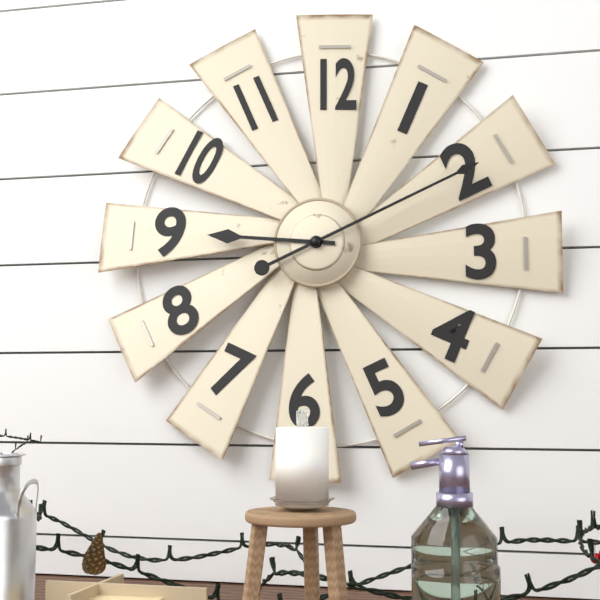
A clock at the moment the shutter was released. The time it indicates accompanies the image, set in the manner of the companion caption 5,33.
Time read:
9,11
